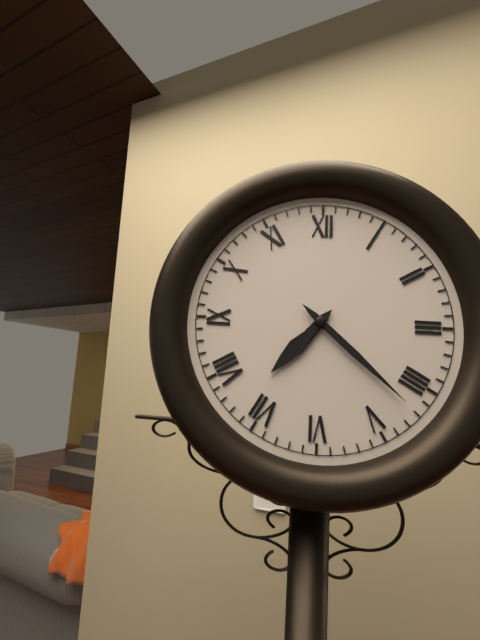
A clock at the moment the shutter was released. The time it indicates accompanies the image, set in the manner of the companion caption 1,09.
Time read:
7,22
